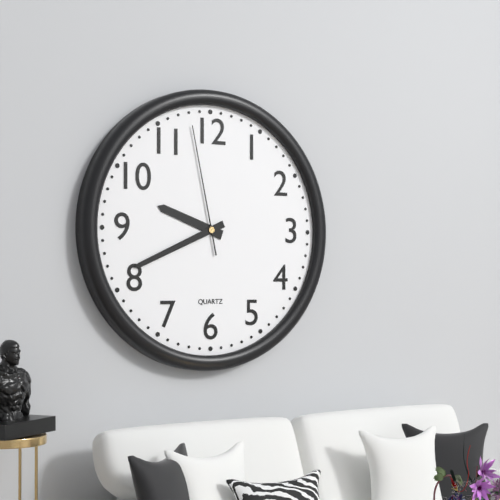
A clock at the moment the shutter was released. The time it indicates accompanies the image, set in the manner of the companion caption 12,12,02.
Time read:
9,41,58
